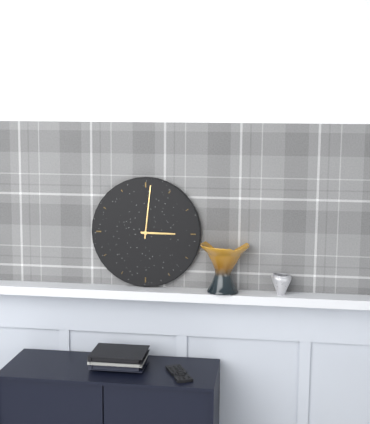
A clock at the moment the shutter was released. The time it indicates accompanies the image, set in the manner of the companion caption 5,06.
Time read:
3,01
